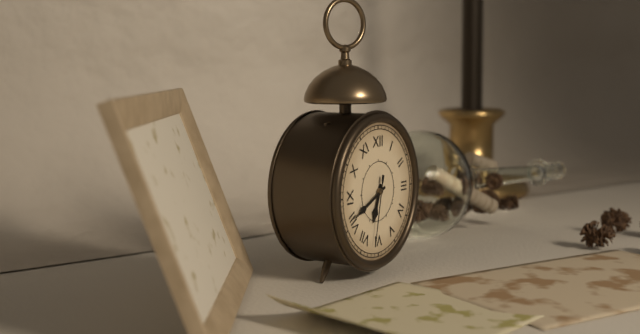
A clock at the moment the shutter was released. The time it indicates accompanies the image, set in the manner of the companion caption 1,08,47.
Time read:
6,41,32
